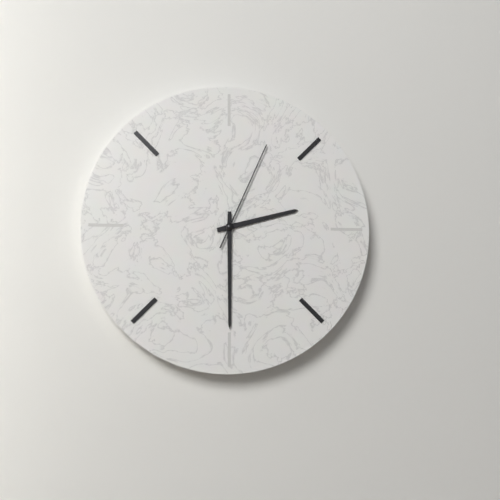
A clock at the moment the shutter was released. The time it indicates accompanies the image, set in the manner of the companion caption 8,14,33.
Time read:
2,30,04
